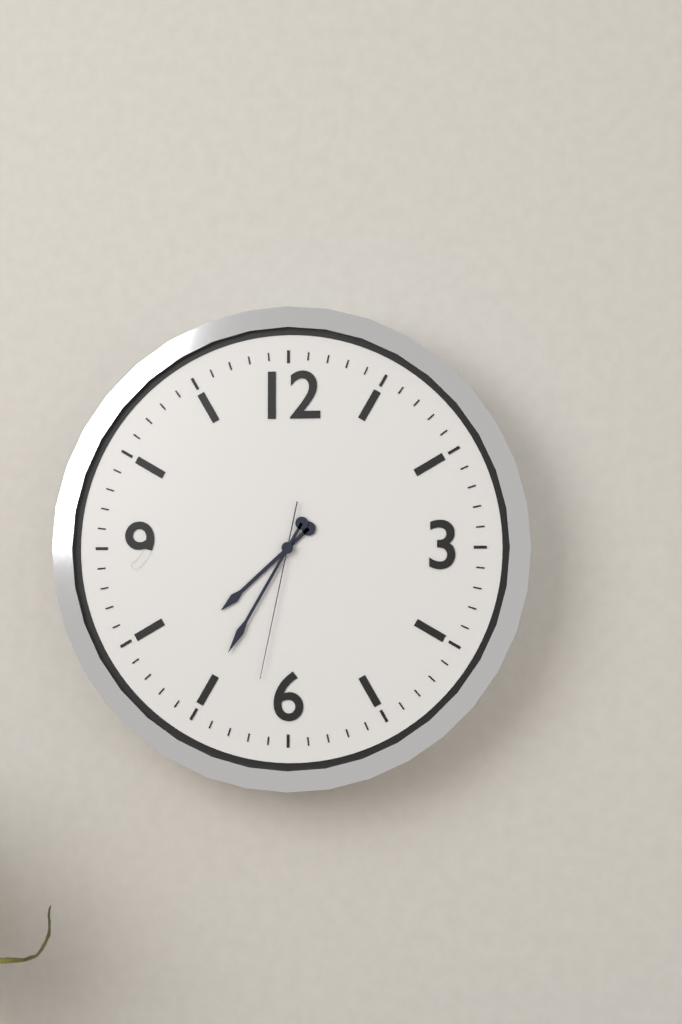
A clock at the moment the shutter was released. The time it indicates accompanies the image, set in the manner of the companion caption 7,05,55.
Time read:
7,35,32
